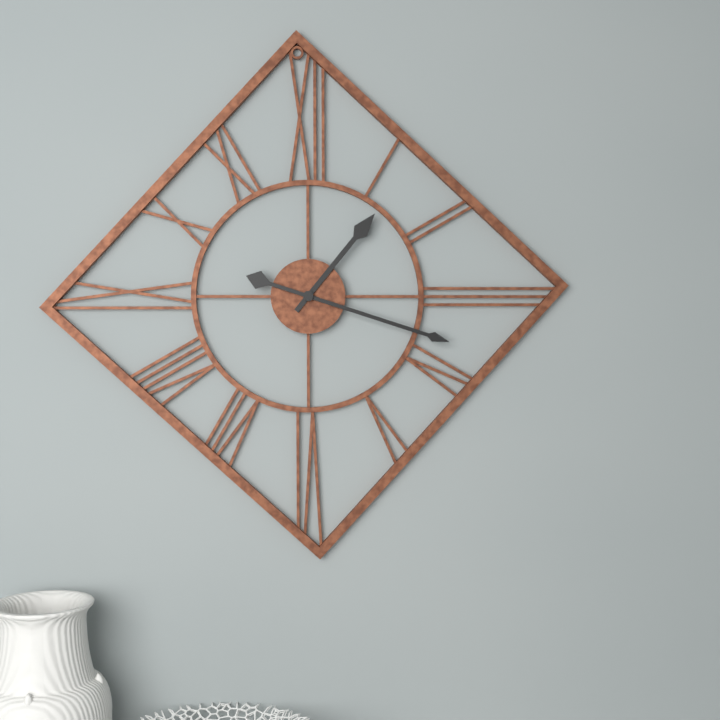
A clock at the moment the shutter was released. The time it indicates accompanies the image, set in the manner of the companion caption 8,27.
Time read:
1,18
